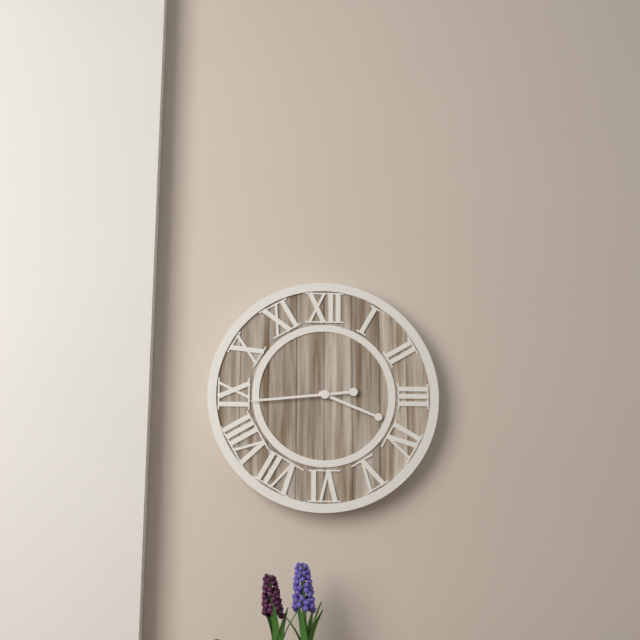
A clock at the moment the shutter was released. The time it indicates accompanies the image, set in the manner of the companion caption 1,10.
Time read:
3,44
